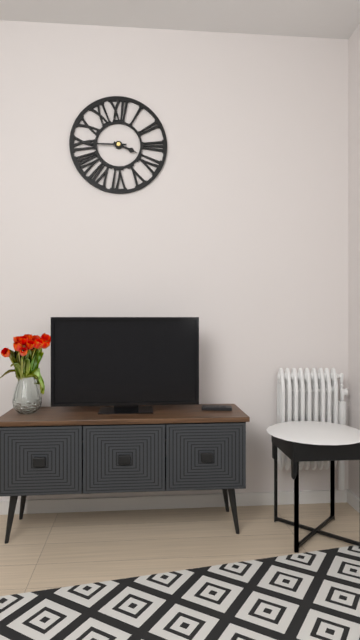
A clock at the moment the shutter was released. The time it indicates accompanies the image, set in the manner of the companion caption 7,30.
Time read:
3,45
